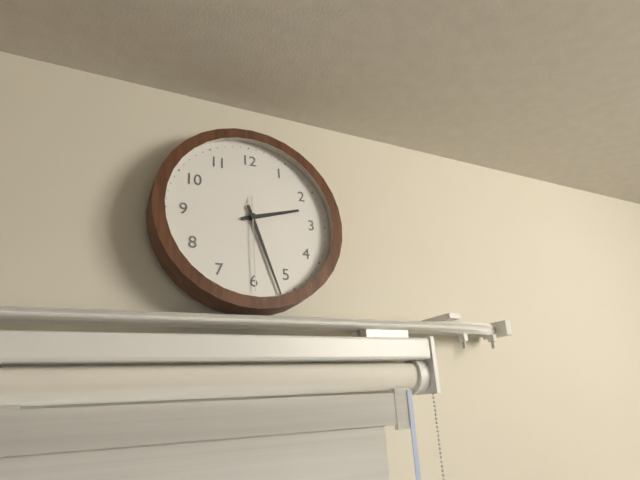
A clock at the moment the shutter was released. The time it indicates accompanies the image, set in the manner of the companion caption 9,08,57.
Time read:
2,27,30
